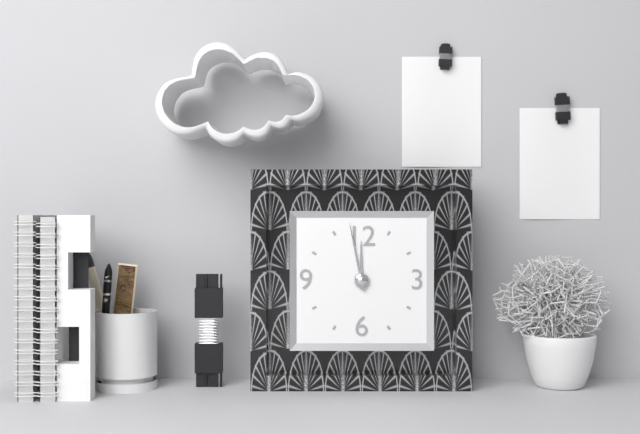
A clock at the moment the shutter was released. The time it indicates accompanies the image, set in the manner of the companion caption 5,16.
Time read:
11,58
